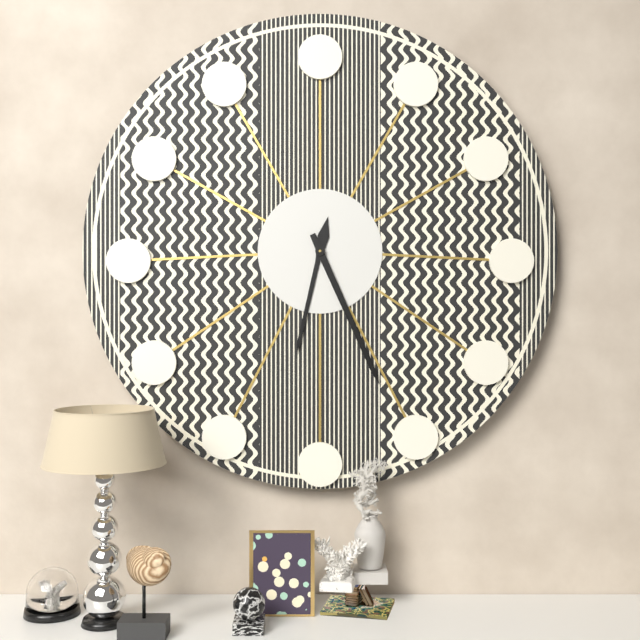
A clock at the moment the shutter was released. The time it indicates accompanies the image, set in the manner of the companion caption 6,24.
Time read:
6,26
